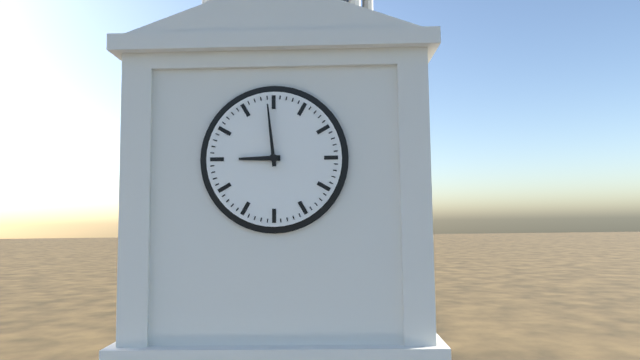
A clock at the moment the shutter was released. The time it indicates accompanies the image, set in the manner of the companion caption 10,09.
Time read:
8,59
